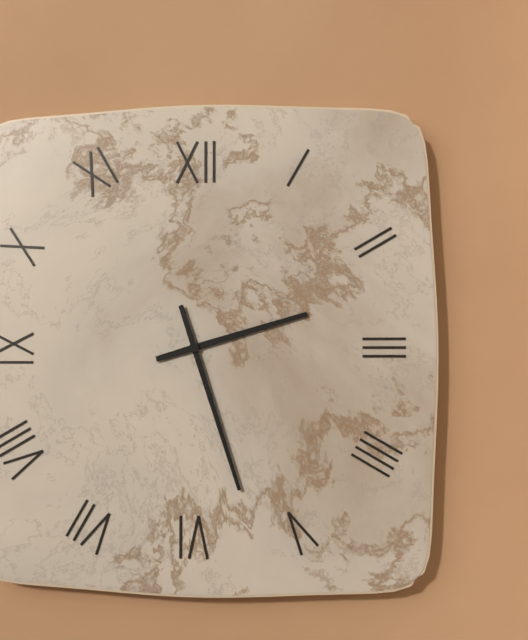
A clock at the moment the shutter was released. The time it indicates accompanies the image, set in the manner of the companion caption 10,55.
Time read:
2,27
